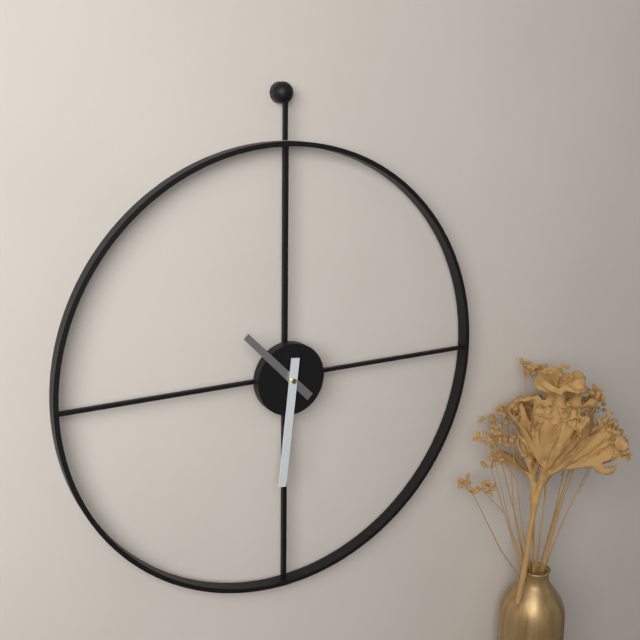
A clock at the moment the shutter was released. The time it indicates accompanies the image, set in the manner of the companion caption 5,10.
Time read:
10,31
